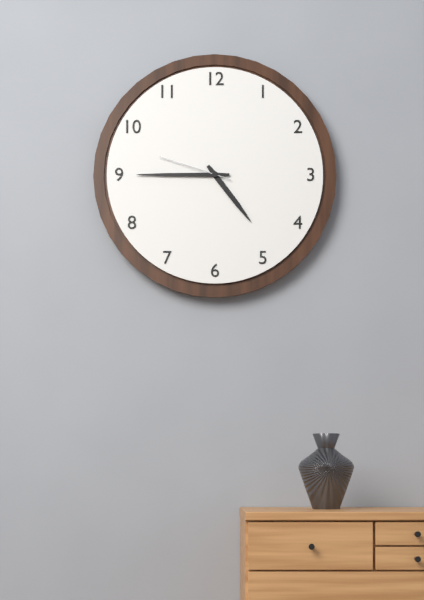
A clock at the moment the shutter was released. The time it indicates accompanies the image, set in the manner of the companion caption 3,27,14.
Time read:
4,45,48
